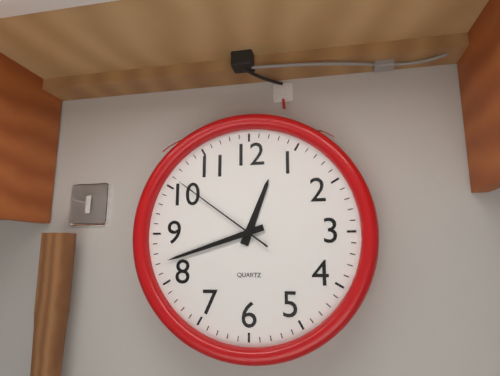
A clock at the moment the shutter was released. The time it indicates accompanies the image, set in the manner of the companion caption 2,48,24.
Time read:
12,42,51
